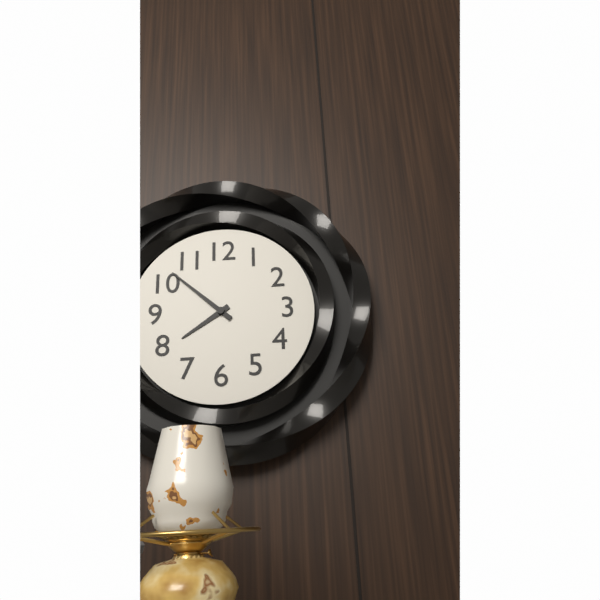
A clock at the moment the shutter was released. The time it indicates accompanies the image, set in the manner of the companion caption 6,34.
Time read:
7,52
